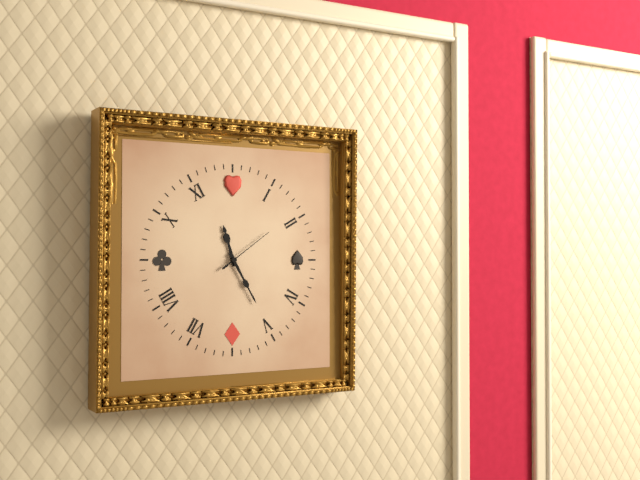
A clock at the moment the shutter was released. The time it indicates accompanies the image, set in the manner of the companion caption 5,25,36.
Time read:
11,25,09
